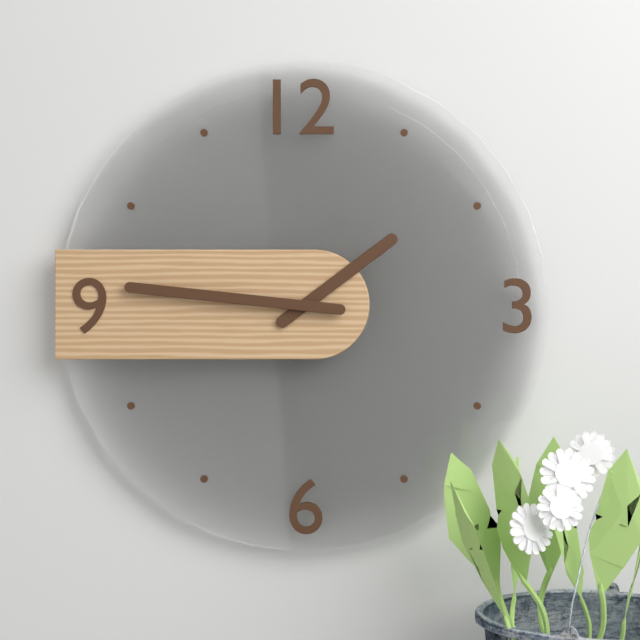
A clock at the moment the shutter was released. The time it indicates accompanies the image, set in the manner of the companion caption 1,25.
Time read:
1,46
